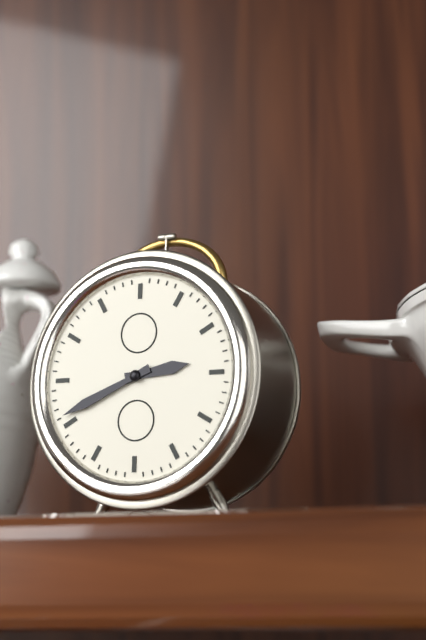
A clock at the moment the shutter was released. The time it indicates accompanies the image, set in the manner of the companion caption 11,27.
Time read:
2,41
